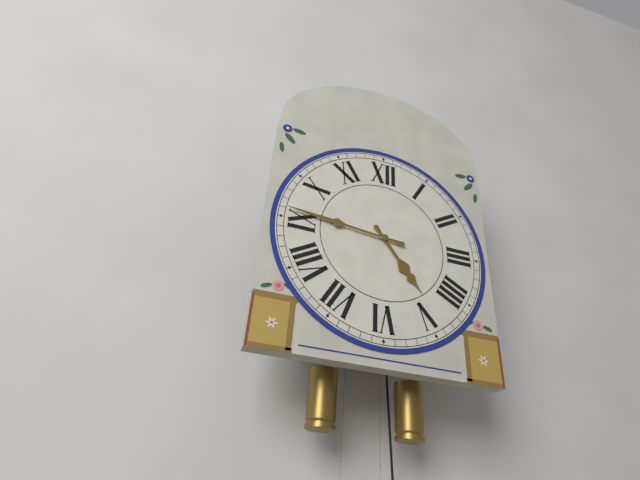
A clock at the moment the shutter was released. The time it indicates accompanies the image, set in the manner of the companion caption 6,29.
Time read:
4,46
